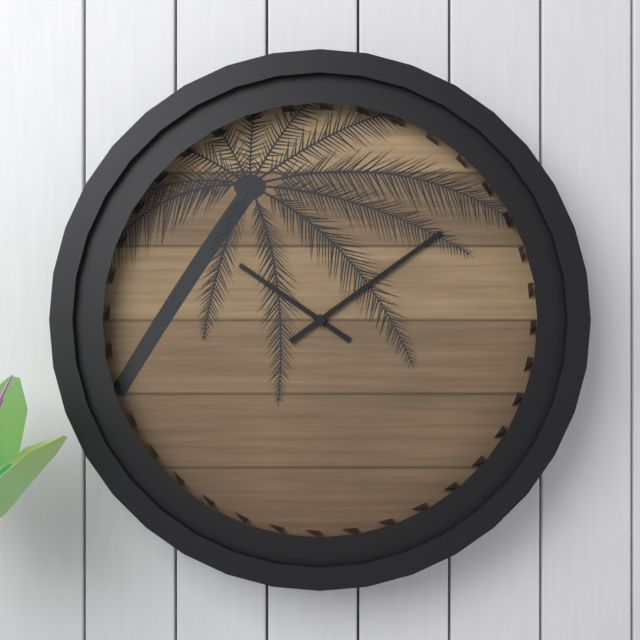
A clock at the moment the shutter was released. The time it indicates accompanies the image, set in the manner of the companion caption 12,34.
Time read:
10,09
